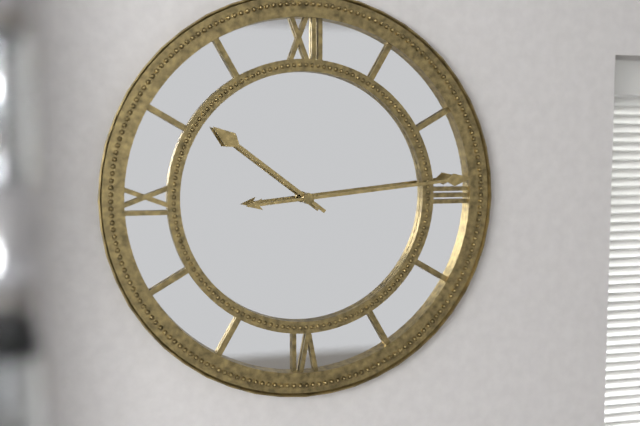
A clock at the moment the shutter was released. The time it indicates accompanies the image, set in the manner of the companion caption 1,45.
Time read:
10,14
